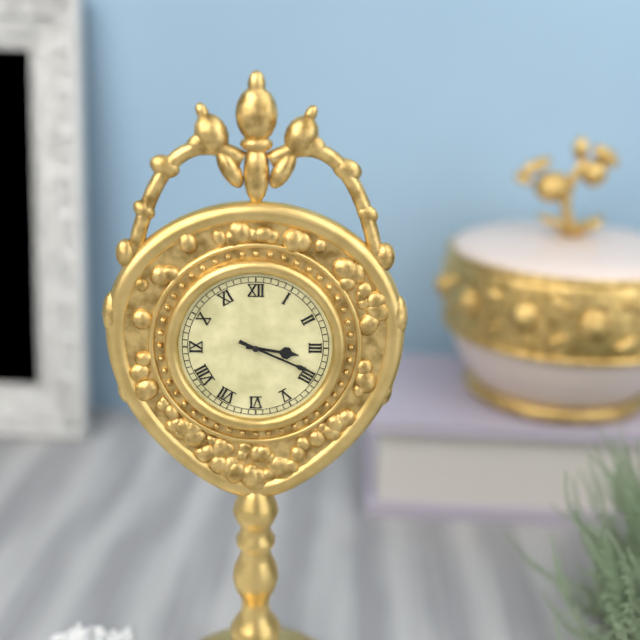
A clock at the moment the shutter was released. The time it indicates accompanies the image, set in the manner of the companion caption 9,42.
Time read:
3,19
